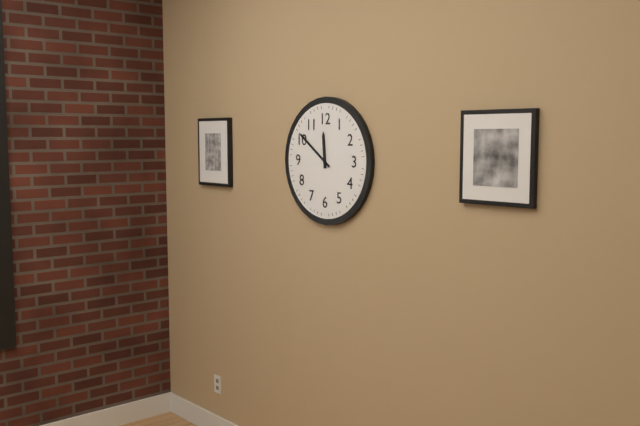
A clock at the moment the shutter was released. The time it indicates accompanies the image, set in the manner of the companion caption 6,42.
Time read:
11,51
